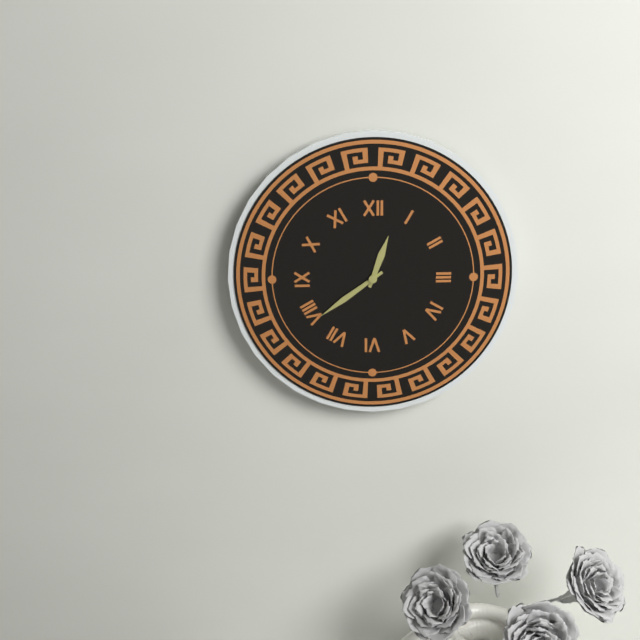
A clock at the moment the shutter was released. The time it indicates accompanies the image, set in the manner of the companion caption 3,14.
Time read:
12,39
